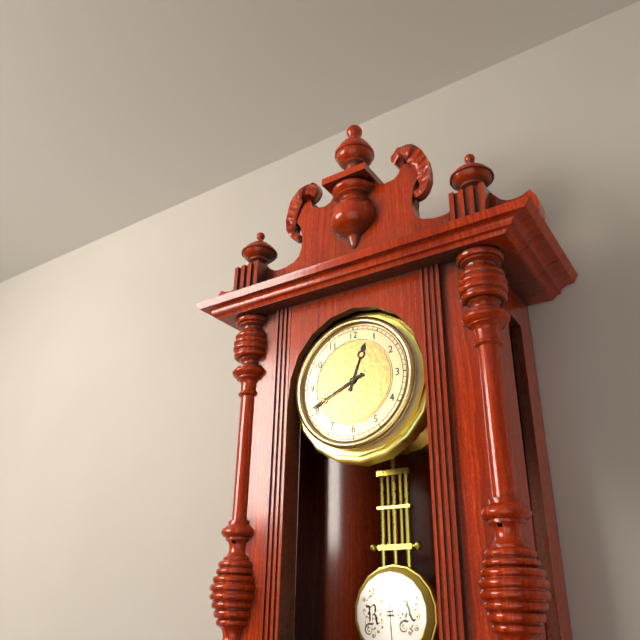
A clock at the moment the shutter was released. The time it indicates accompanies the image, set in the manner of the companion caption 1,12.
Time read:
12,41
